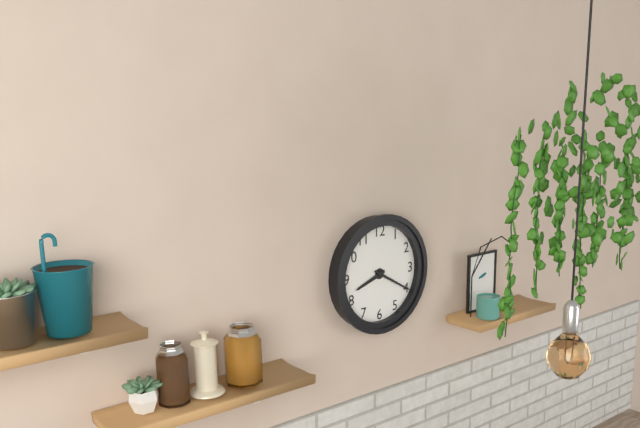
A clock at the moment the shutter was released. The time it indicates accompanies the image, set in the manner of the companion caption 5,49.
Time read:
8,20
